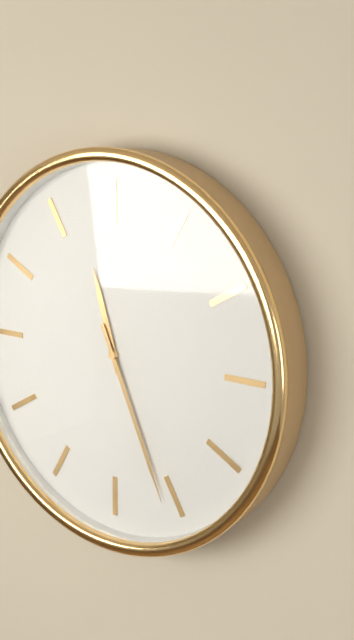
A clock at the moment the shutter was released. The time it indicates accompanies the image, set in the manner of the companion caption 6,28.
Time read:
11,26
